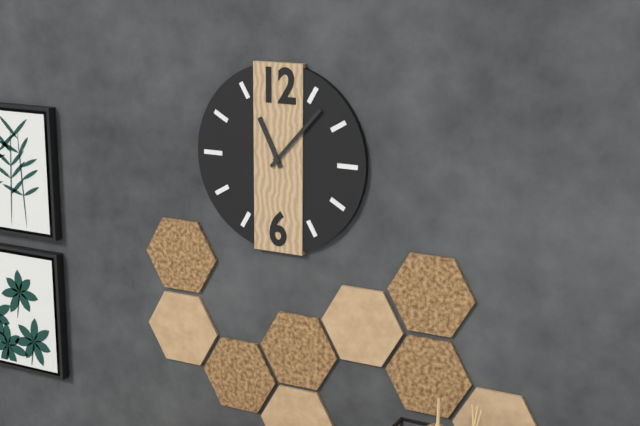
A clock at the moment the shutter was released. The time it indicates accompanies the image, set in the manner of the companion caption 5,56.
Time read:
11,07
